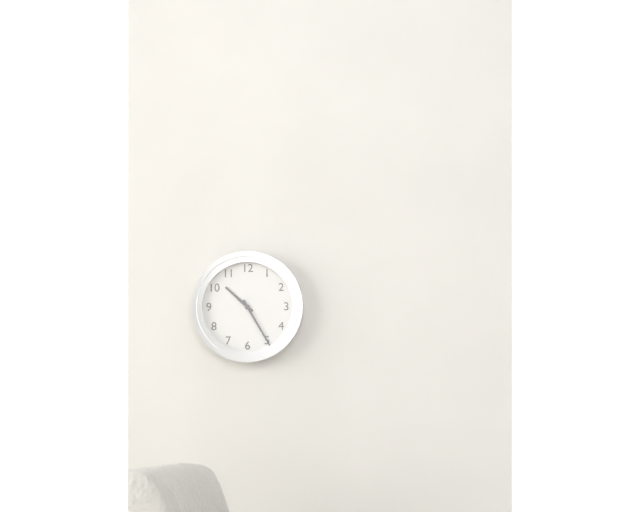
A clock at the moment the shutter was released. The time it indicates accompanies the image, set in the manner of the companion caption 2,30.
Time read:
10,25
